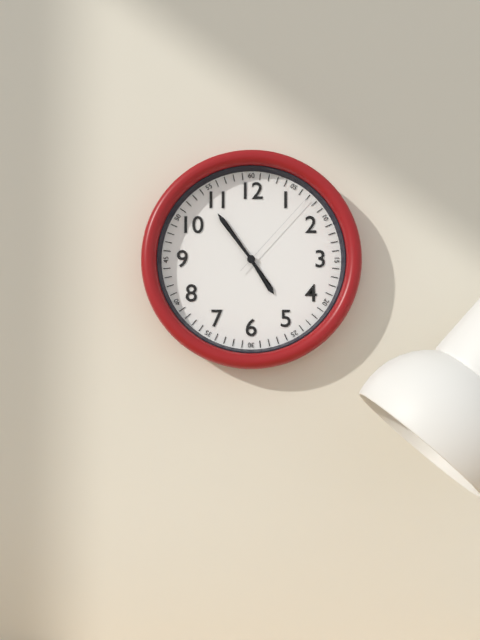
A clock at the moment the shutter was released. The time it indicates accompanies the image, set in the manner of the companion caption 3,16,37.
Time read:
4,54,07
